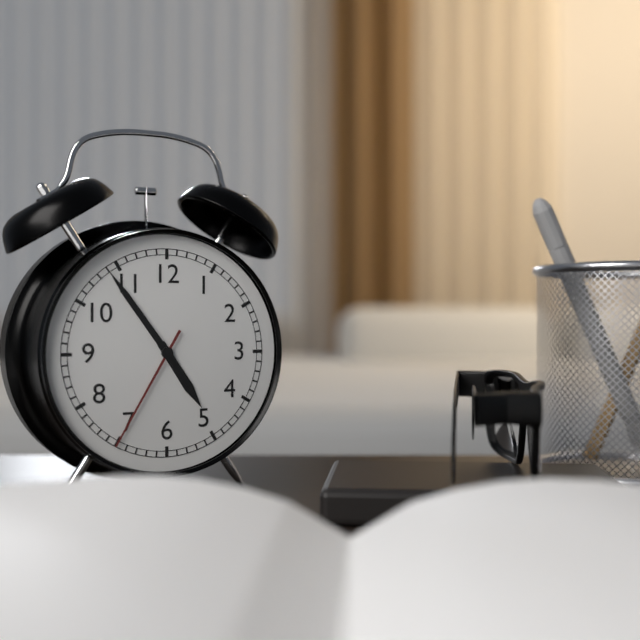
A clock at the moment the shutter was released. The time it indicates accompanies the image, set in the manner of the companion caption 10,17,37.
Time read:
4,54,35
